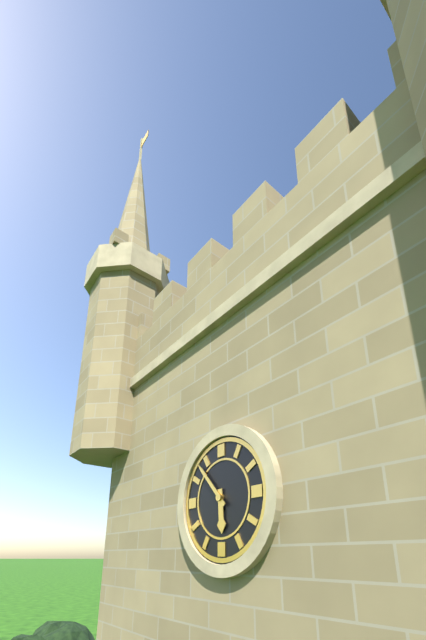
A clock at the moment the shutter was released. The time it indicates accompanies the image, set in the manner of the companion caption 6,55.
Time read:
5,53
